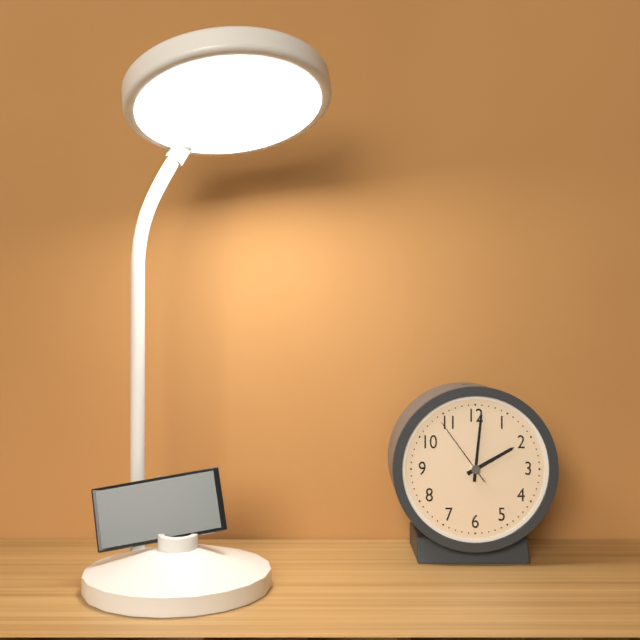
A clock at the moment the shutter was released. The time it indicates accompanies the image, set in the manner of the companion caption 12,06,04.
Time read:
2,01,54
